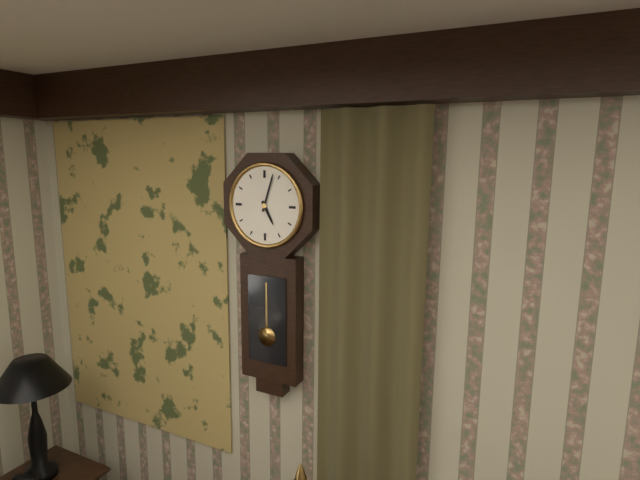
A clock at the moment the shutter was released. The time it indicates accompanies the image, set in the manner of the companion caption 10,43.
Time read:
5,03
